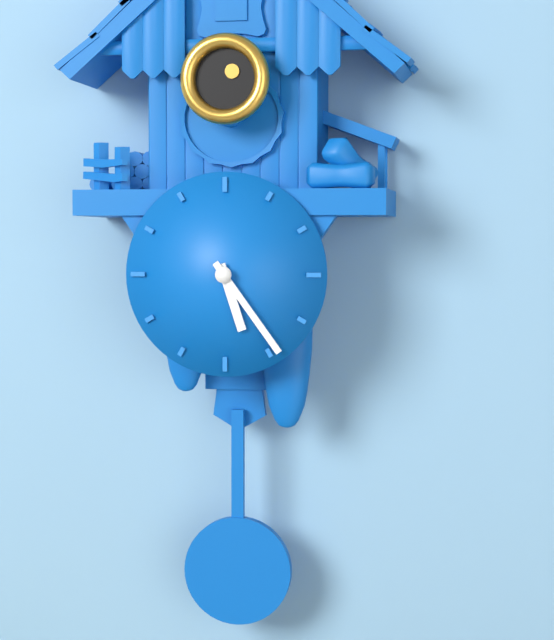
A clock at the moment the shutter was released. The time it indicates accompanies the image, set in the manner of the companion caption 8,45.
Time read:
5,24
